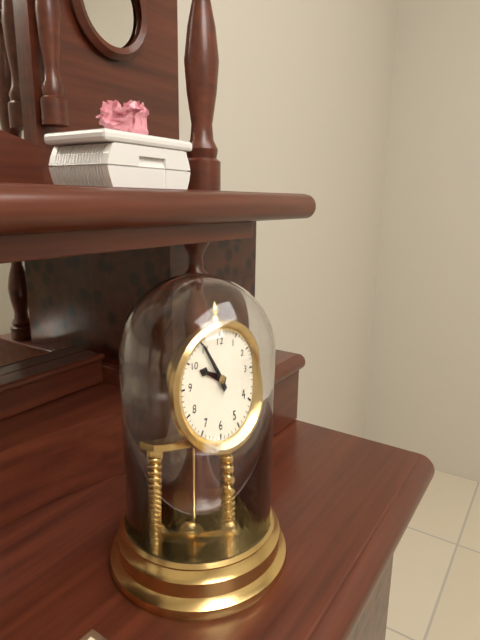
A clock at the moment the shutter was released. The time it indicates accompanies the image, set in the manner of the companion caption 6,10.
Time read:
9,55
